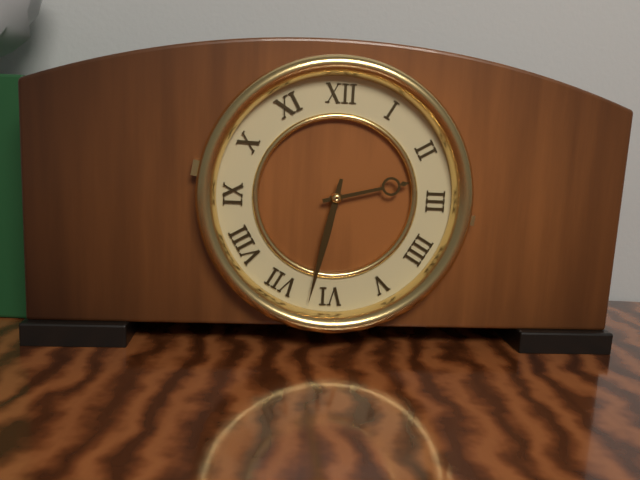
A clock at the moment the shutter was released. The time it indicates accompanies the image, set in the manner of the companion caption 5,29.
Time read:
2,32
